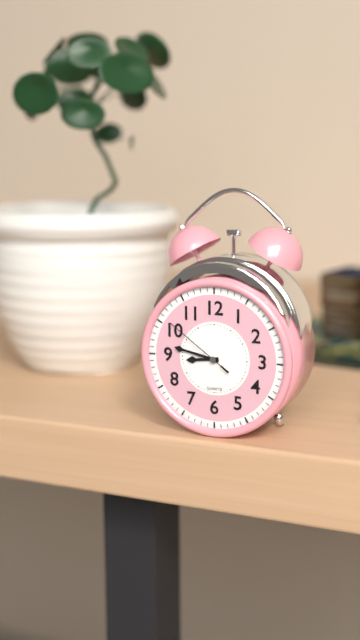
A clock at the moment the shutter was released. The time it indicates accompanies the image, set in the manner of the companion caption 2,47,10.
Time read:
8,47,51
